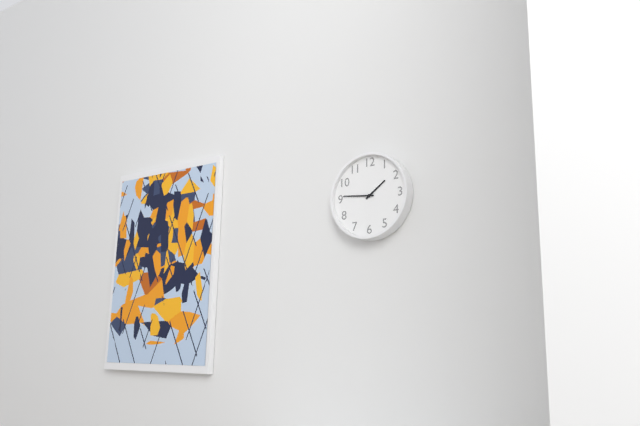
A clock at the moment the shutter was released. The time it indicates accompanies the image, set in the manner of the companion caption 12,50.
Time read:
1,46
